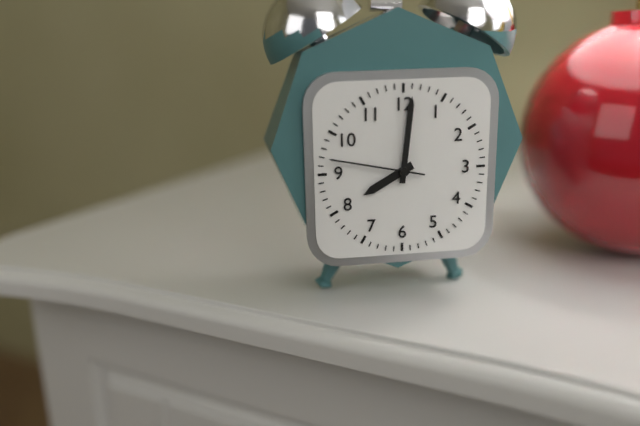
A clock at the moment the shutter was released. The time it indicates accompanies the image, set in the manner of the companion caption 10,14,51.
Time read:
8,01,47
